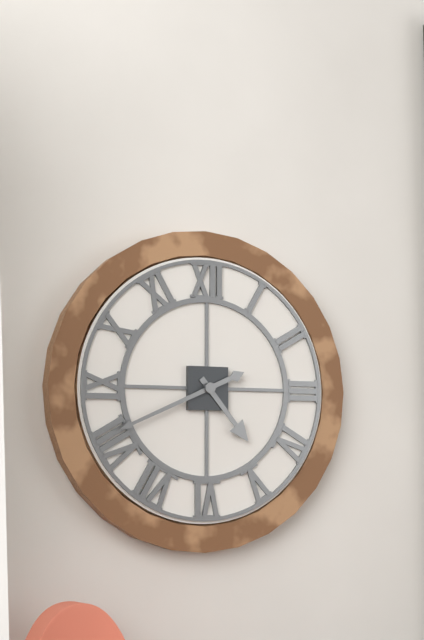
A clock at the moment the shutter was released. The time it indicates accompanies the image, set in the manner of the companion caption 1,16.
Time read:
4,41
